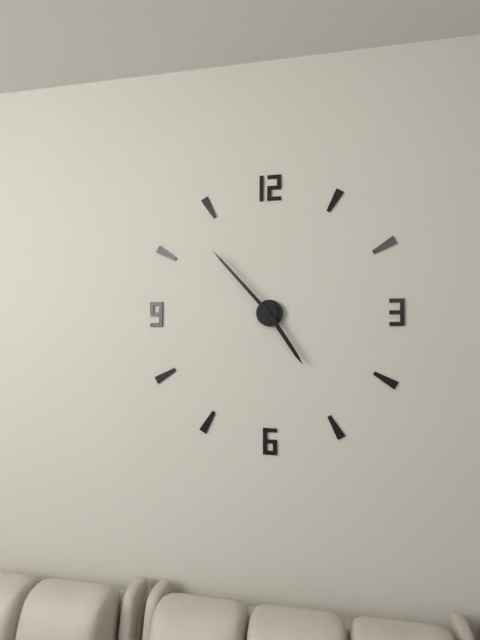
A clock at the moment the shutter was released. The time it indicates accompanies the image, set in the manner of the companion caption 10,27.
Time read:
4,53
